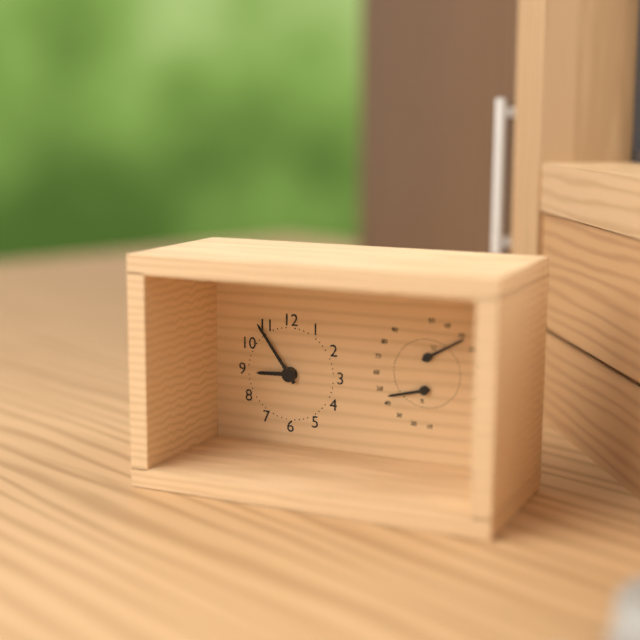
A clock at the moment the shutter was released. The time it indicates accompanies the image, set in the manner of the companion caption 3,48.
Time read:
8,54
